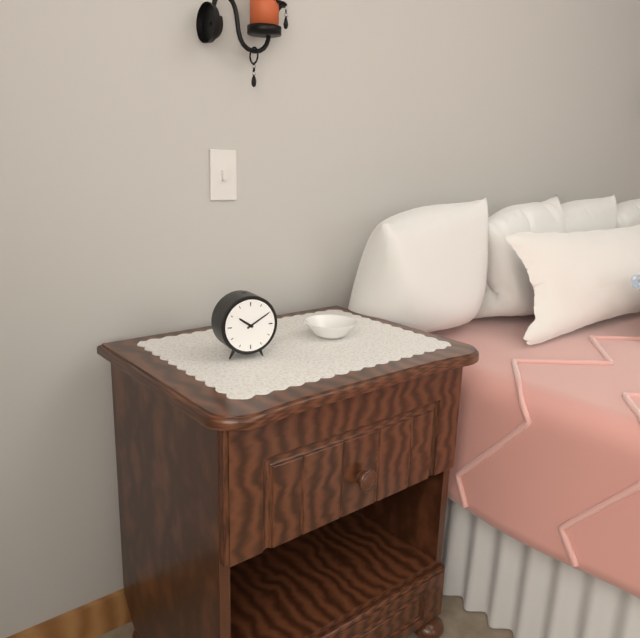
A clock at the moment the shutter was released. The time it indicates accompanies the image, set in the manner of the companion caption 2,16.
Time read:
10,10
